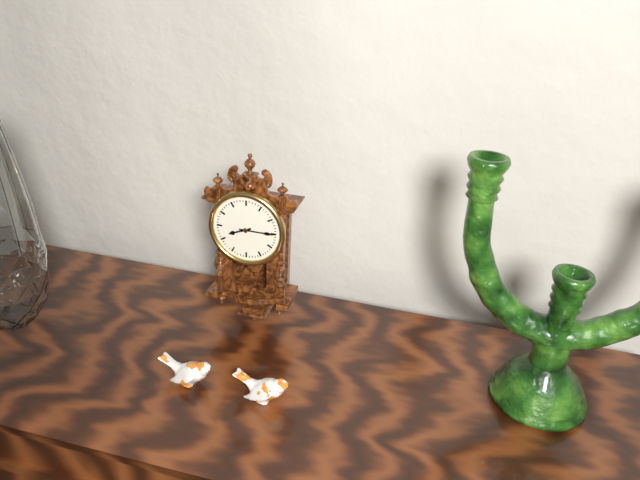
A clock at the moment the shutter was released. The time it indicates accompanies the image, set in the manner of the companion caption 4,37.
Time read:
8,15
